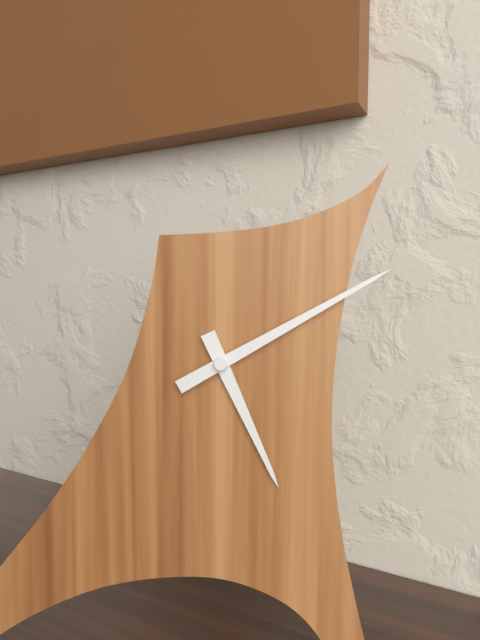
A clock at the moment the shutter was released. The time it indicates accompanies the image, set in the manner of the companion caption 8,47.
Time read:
5,10
